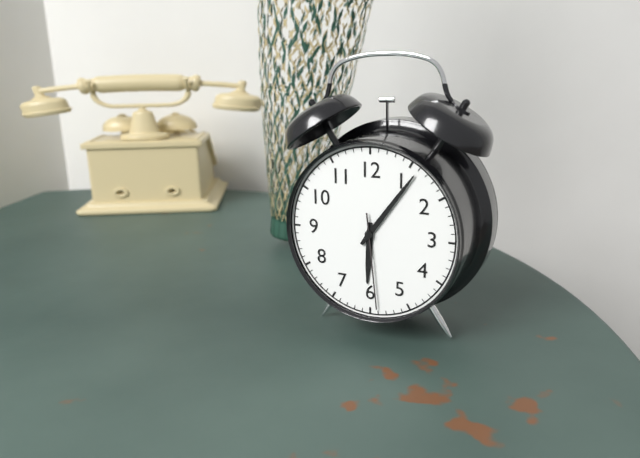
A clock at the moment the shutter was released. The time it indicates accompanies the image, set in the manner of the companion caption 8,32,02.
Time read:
6,06,29
